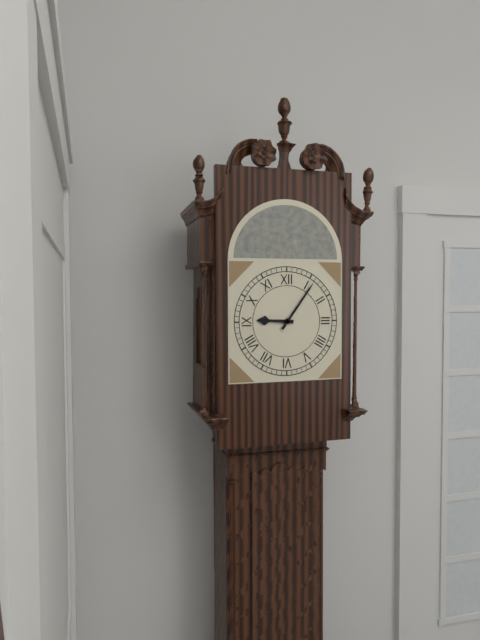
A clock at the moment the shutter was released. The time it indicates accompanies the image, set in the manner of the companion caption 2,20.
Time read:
9,06
